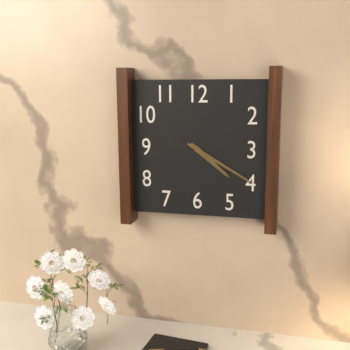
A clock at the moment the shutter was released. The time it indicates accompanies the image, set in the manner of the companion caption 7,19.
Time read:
4,20
